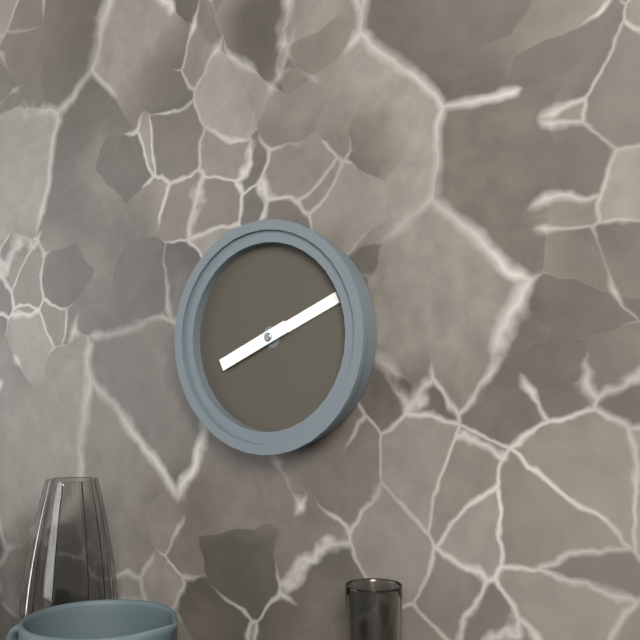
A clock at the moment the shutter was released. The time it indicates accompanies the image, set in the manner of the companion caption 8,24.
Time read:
8,11
